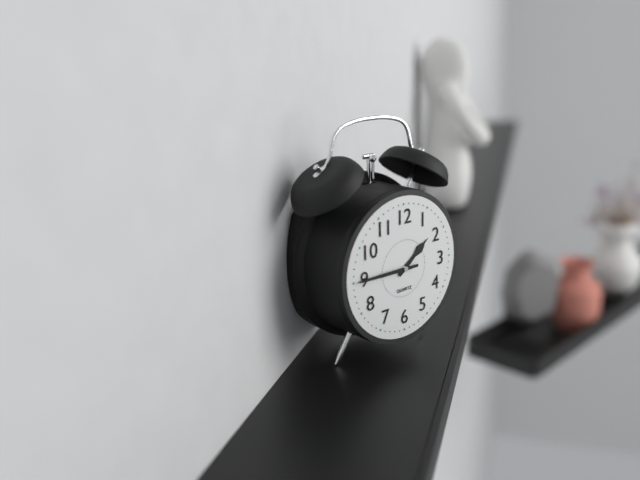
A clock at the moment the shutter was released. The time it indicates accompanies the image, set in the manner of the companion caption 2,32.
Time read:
1,45
